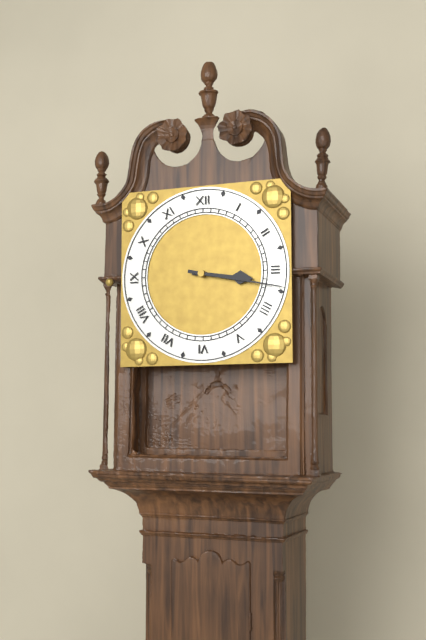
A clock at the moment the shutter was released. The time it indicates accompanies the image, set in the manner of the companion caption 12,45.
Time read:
3,17
